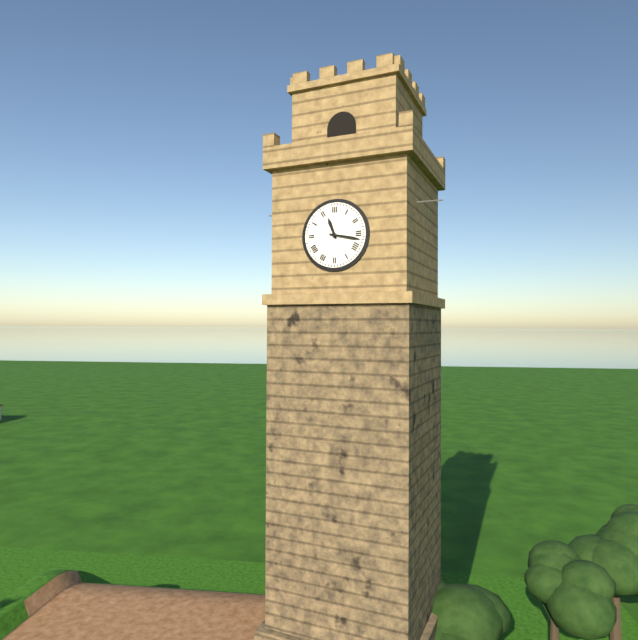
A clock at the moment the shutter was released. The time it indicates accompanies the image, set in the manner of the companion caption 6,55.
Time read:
11,17
